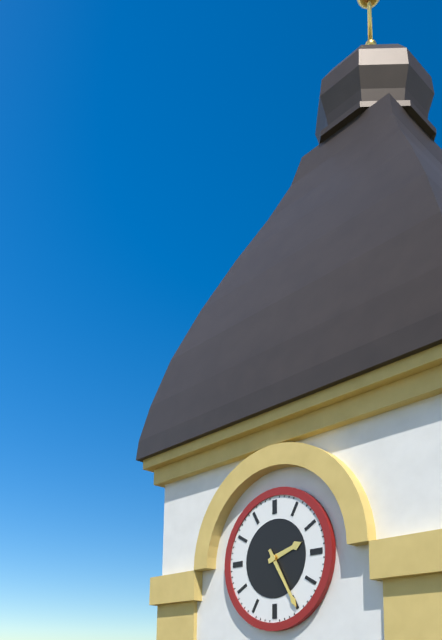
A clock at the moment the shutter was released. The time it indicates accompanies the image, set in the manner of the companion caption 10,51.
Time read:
2,25
